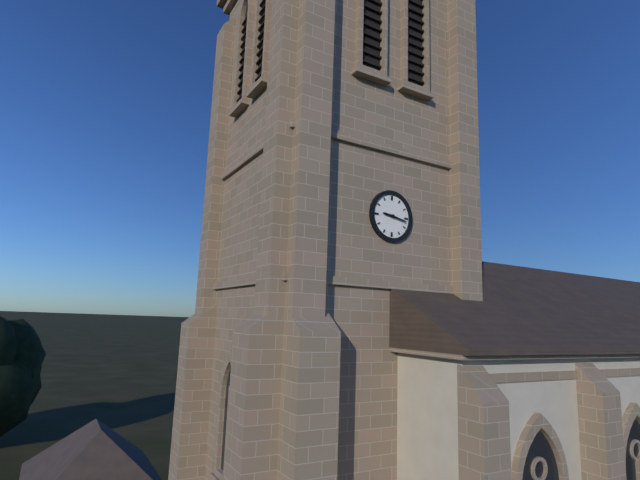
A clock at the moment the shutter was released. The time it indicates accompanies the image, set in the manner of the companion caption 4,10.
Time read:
9,17
